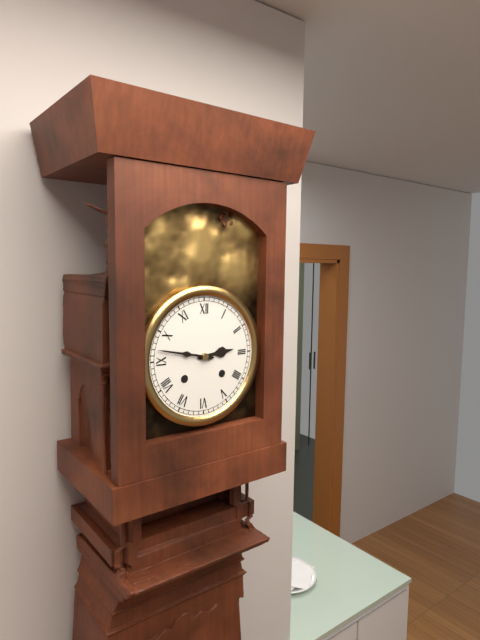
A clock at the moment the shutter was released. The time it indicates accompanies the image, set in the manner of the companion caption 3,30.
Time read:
2,47
